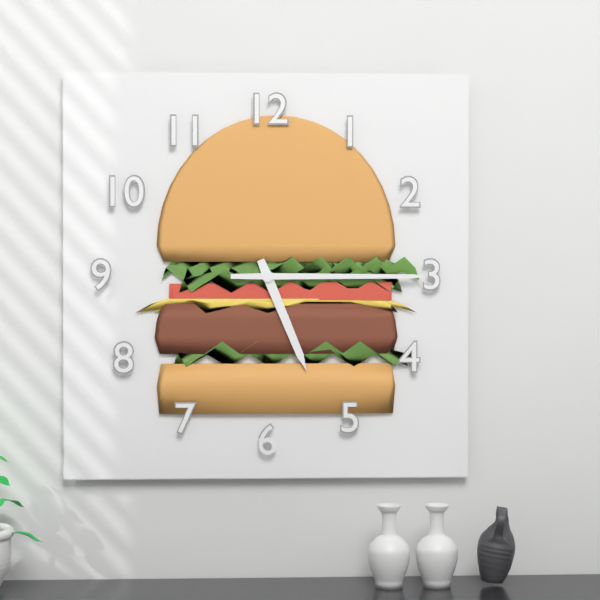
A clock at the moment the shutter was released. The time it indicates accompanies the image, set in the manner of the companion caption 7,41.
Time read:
5,15
